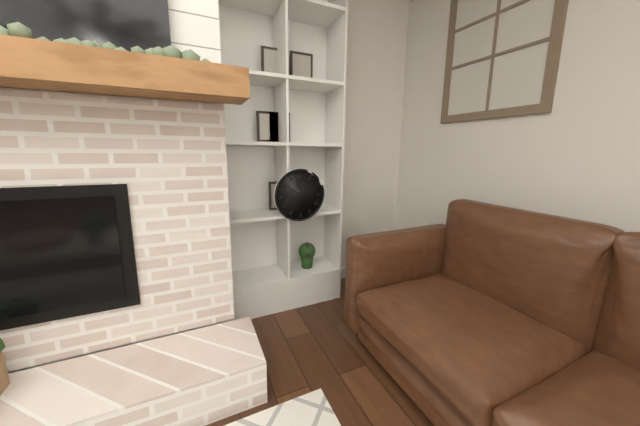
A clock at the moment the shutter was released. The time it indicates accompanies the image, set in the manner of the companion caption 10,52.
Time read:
11,51
